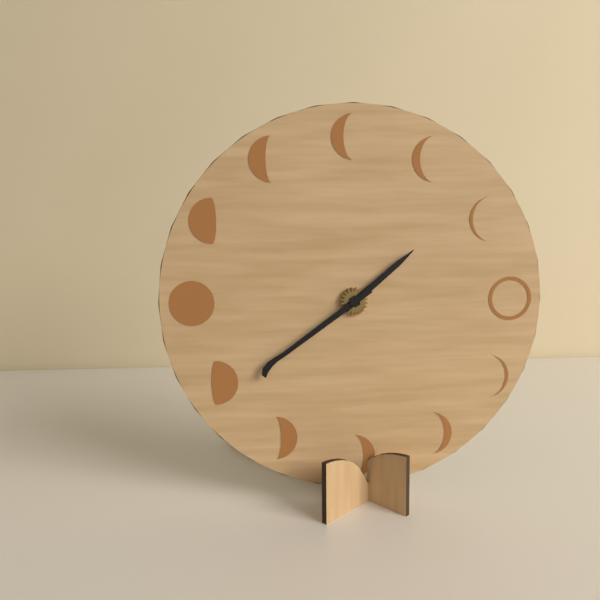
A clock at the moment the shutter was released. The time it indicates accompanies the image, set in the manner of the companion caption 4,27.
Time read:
1,39
